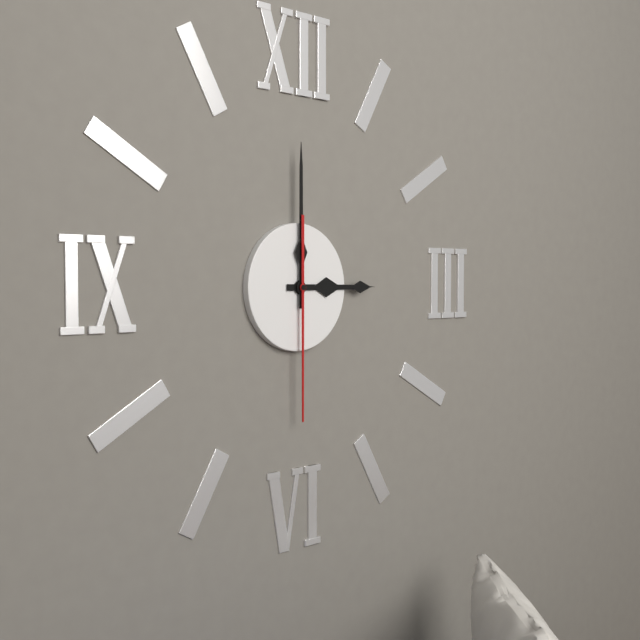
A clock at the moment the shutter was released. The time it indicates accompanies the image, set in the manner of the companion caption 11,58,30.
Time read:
3,00,30
